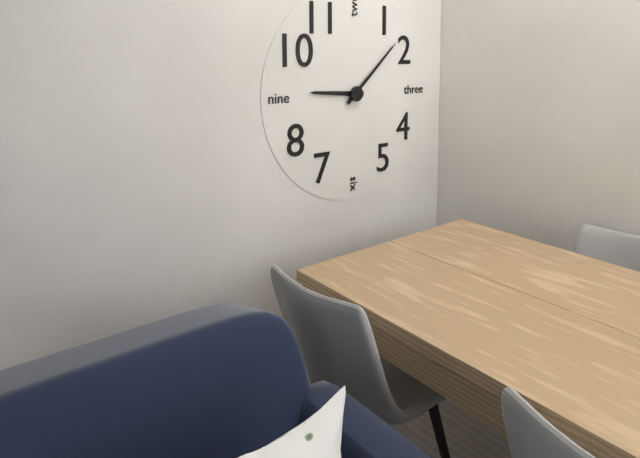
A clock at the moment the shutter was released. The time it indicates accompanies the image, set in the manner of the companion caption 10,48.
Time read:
9,08
